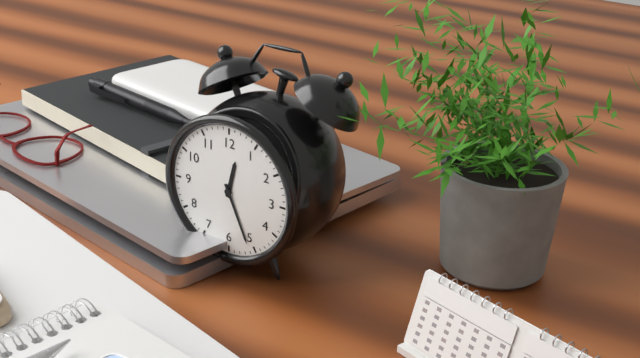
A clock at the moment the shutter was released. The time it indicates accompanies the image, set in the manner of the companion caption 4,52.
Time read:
12,26
